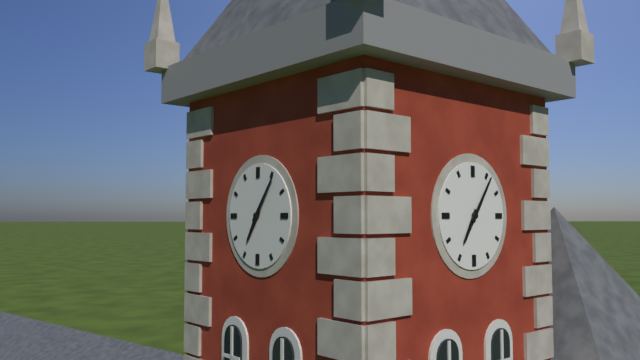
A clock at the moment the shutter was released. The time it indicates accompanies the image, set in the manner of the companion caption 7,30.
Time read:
7,06
